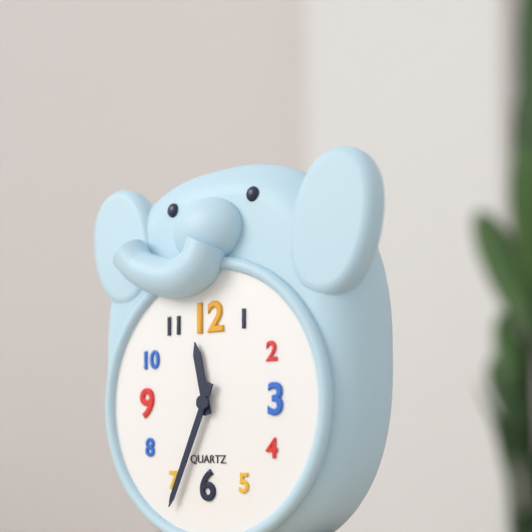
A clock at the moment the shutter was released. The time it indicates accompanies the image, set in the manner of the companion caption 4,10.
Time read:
11,34
